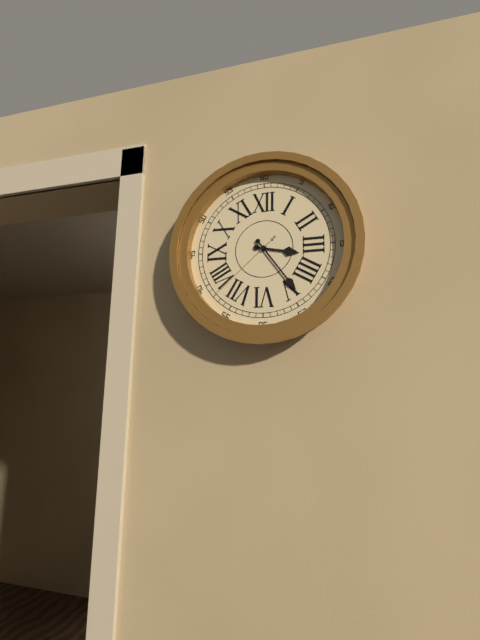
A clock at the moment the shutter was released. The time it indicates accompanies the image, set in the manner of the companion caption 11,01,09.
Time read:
3,24,38
